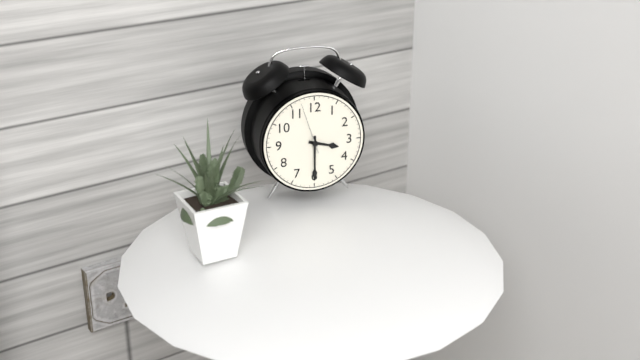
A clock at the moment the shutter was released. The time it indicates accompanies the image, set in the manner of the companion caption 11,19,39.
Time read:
3,30,57
